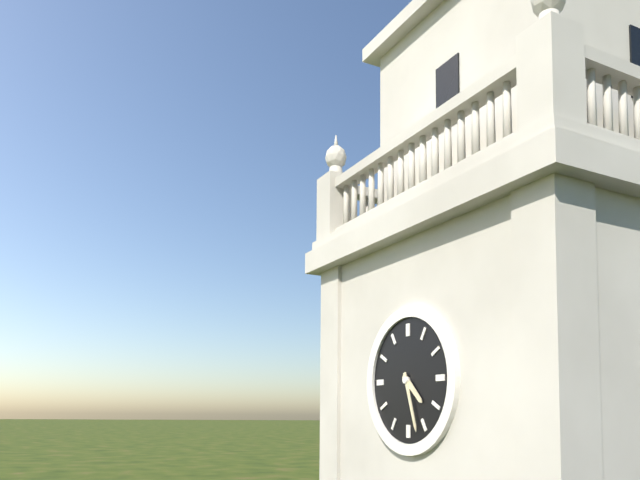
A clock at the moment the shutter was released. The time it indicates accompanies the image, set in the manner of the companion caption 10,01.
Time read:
4,27
